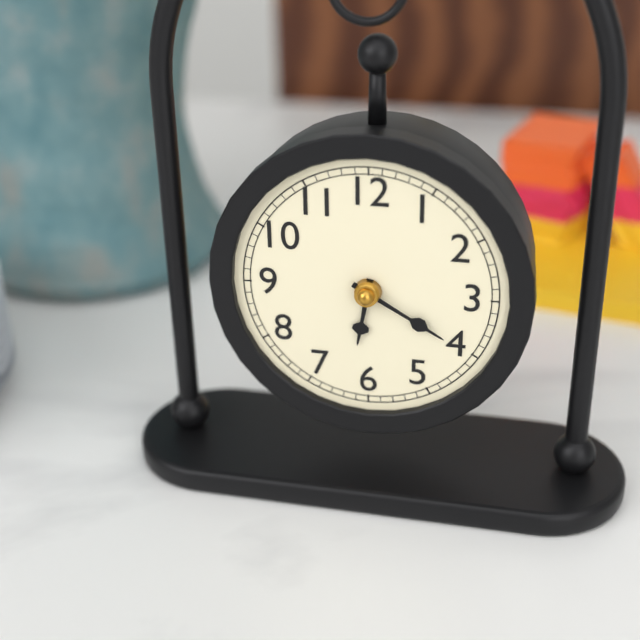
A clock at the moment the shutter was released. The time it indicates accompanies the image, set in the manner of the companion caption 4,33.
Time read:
6,20
